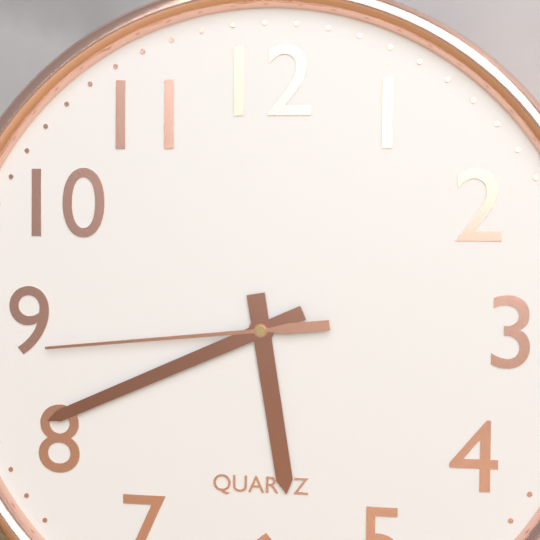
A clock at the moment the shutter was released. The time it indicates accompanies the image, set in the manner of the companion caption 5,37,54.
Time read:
5,41,44
